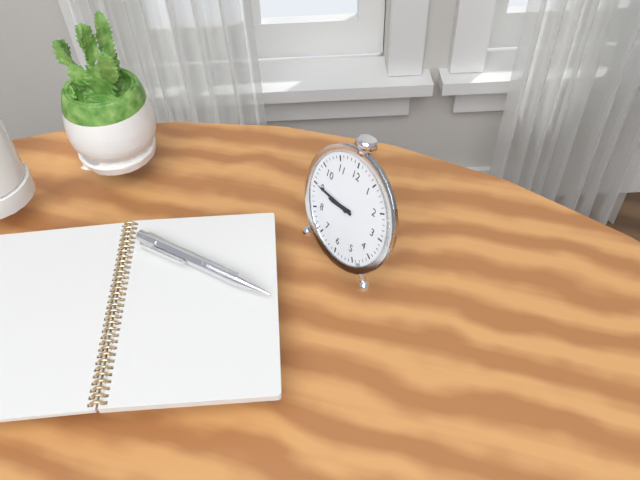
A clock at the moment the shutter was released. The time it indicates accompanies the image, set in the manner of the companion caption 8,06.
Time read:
8,45
